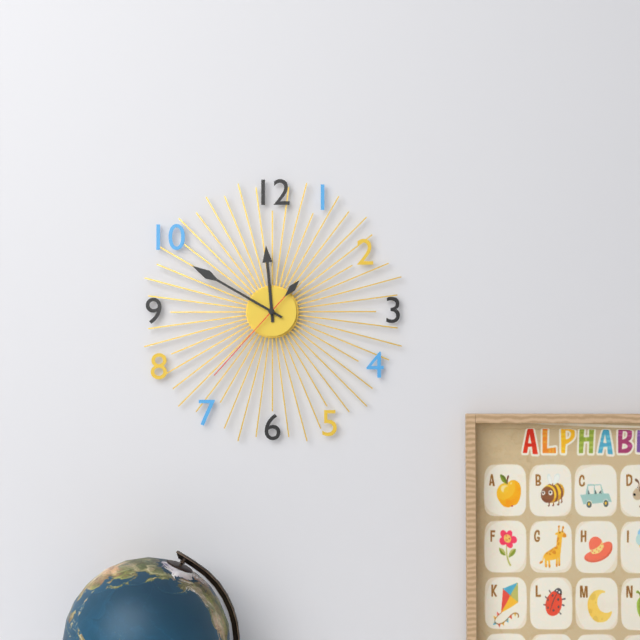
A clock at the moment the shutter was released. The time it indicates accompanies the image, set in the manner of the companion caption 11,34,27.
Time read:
11,50,37
